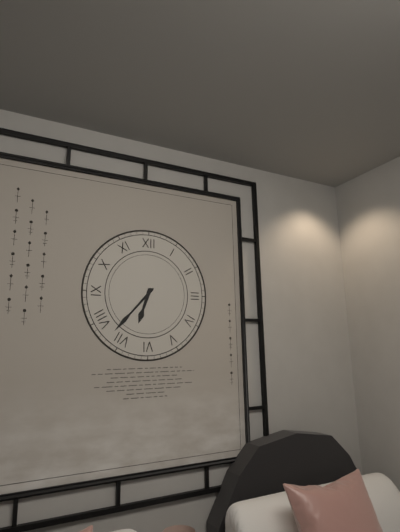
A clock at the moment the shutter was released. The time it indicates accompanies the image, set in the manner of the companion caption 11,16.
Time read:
6,37
